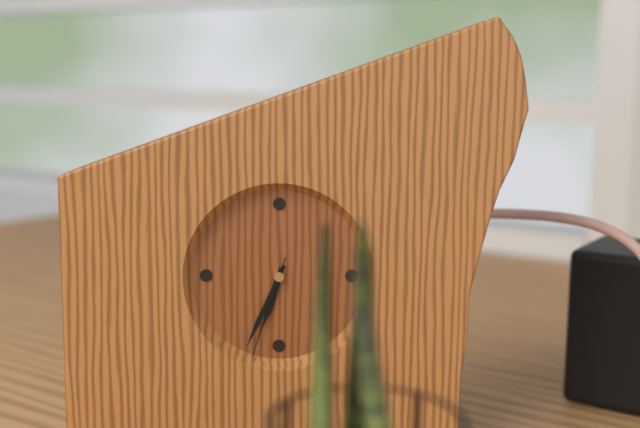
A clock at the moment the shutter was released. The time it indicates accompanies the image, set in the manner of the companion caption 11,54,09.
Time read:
6,34,33
